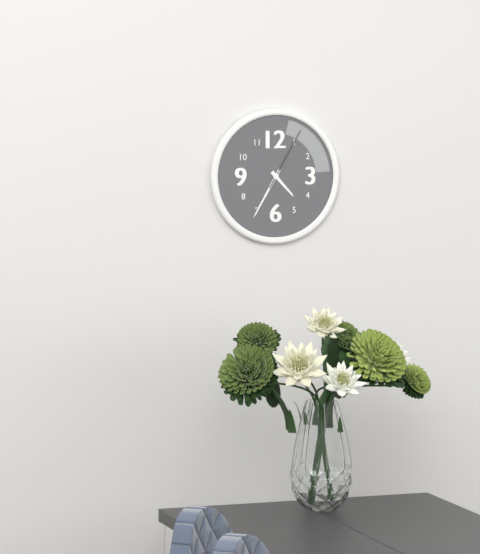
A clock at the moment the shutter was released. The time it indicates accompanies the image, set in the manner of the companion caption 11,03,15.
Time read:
4,35,05
